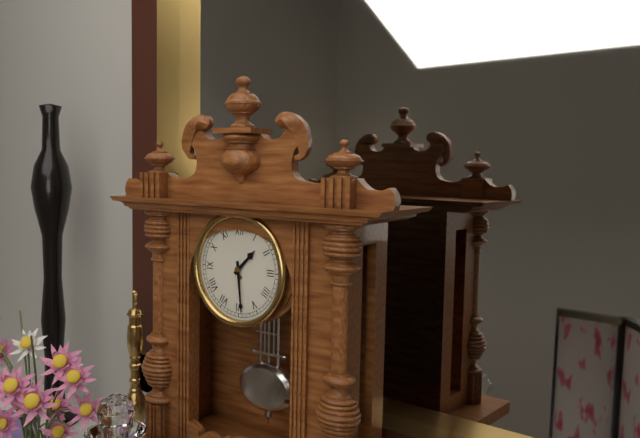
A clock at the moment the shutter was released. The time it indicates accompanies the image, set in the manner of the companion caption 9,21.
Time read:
1,29
